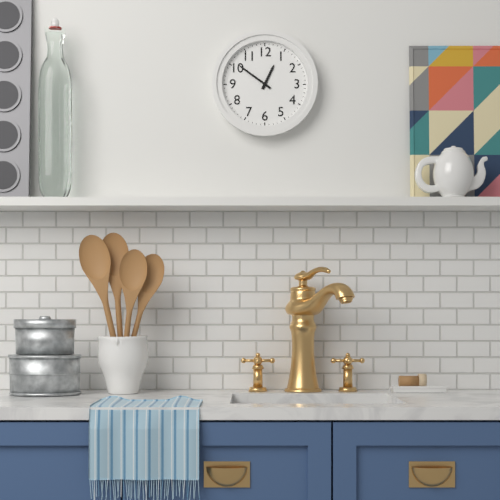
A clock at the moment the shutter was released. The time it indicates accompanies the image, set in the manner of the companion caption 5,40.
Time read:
12,51
